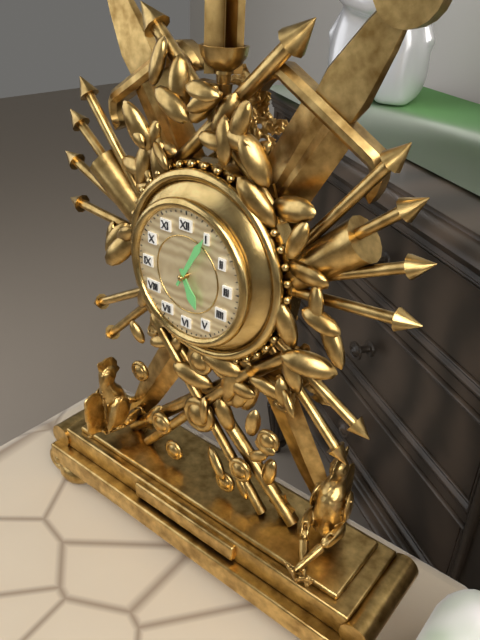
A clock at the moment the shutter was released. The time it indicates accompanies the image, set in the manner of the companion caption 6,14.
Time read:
5,05
